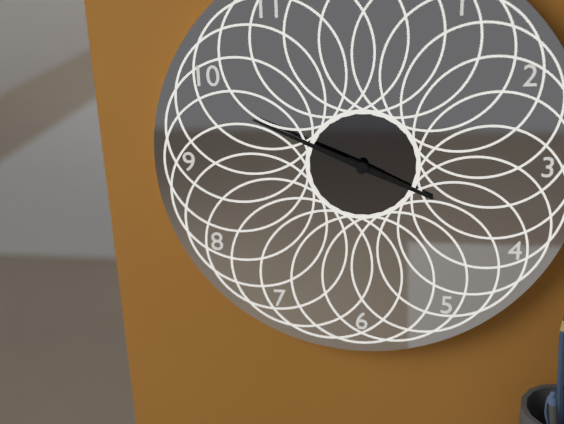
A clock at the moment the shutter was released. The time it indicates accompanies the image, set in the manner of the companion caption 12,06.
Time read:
3,49
